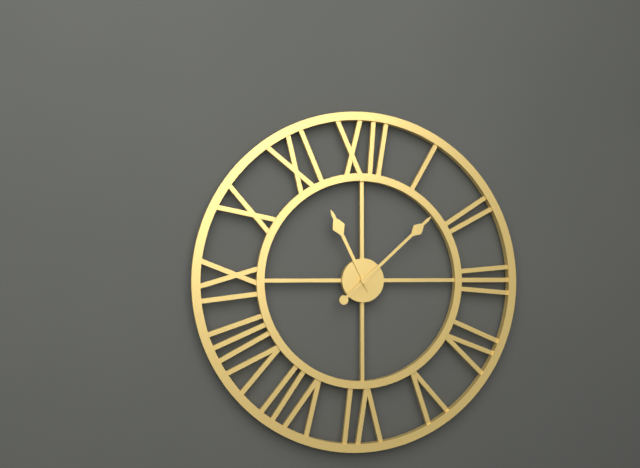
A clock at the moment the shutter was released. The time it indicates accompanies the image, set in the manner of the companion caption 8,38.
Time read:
11,08
